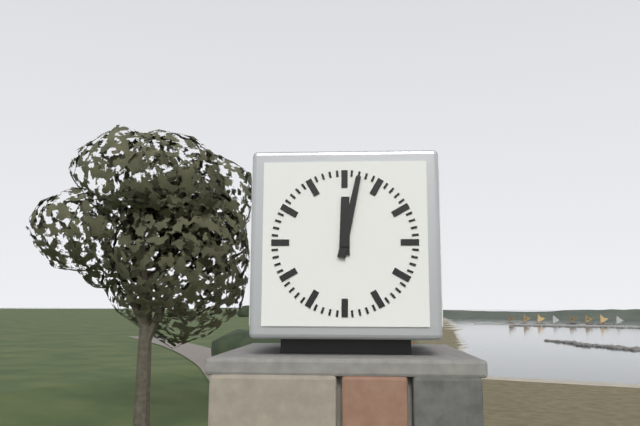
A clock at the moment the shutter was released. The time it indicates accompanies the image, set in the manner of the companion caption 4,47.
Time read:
12,02
